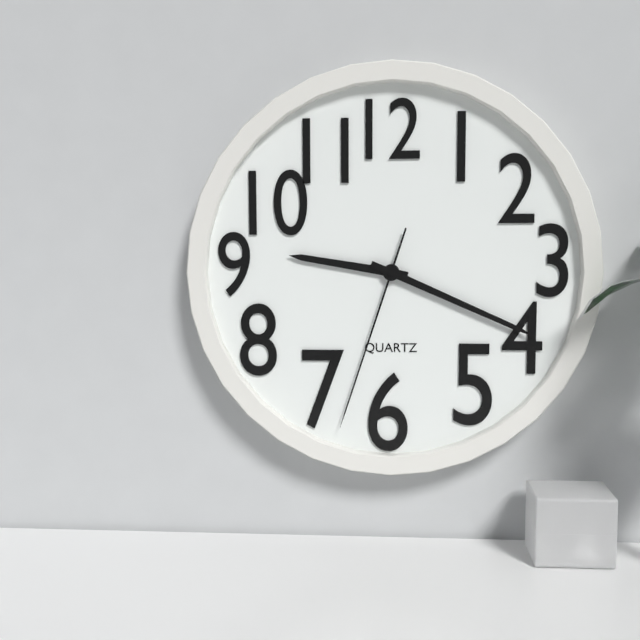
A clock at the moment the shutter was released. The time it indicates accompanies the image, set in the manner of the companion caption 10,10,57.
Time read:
9,19,33
